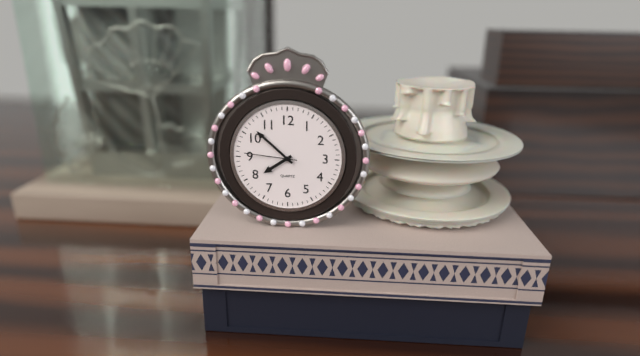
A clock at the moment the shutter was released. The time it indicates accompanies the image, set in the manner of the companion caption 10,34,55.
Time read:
7,52,46
